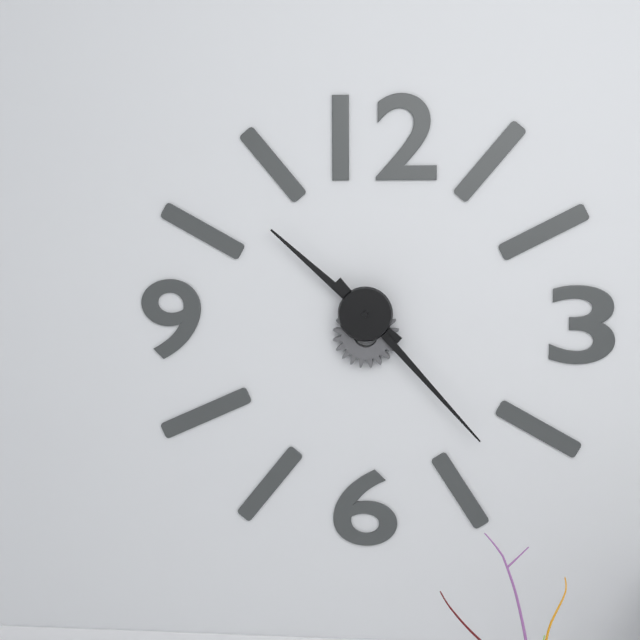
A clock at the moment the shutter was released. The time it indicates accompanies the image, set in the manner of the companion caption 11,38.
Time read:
10,23
